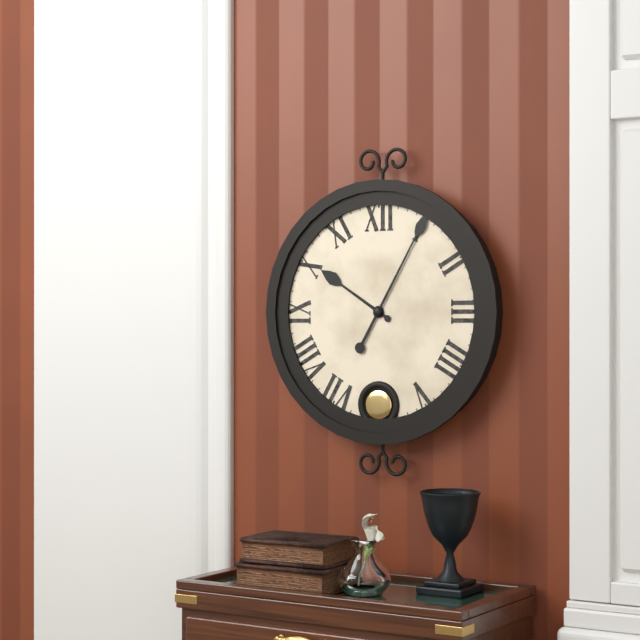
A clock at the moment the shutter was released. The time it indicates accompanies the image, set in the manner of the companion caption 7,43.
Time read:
10,05
